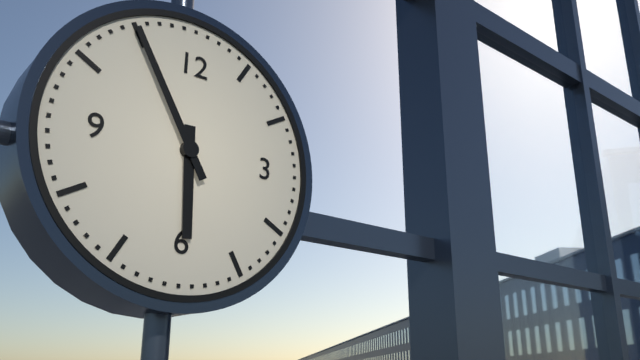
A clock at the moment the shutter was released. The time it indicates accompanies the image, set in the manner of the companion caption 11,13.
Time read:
5,55
